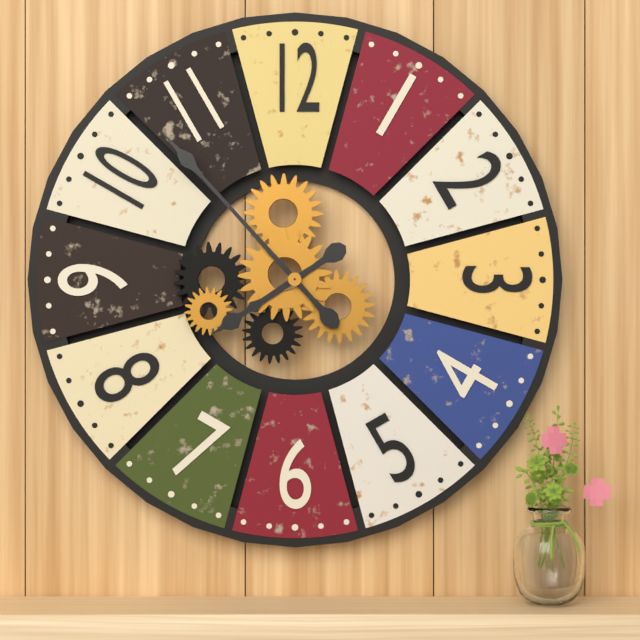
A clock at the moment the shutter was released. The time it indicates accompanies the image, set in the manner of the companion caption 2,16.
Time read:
7,53
